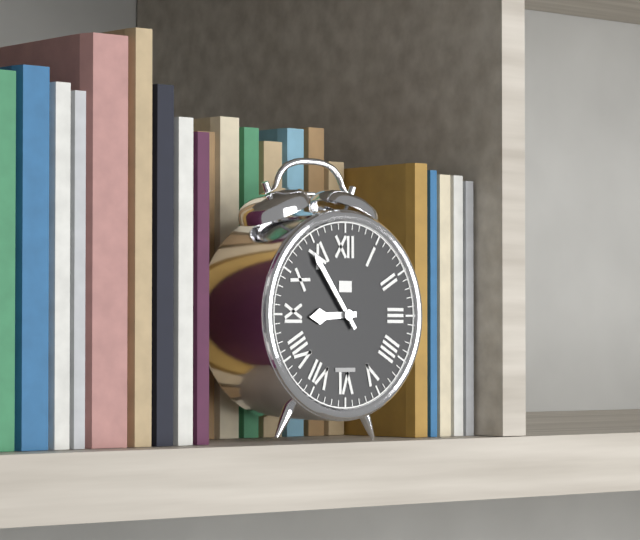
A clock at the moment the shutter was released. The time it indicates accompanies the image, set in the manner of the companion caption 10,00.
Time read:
8,54
